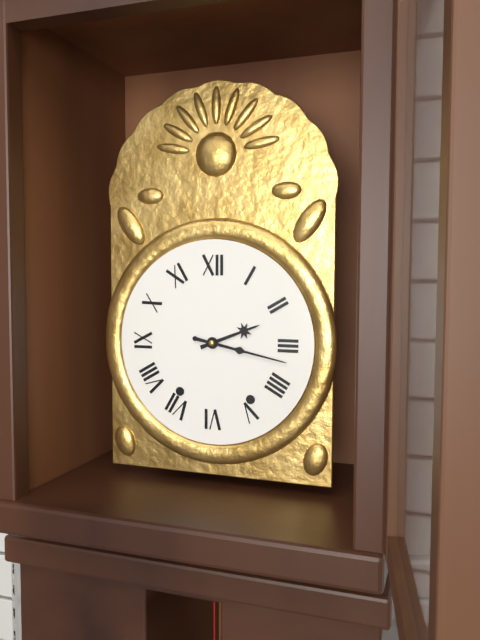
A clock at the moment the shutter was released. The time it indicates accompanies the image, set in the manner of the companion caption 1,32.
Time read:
2,17
